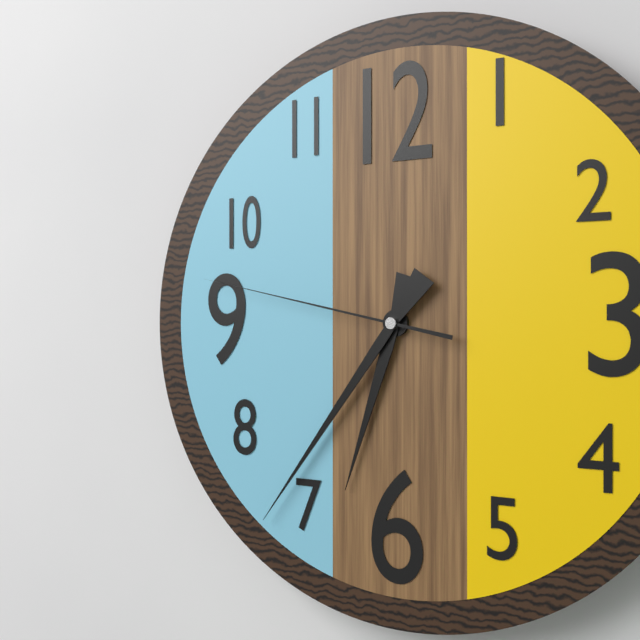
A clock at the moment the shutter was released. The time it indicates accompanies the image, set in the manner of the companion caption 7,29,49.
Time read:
6,36,47
